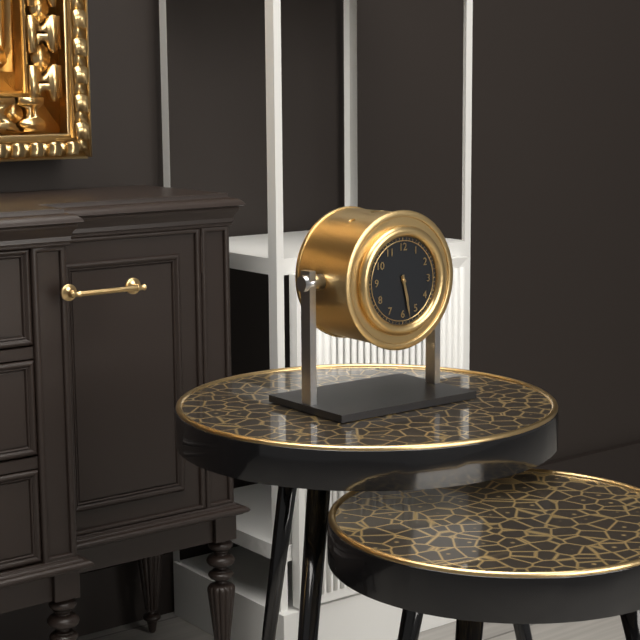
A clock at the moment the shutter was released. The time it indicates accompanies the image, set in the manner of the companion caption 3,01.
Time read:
5,28
